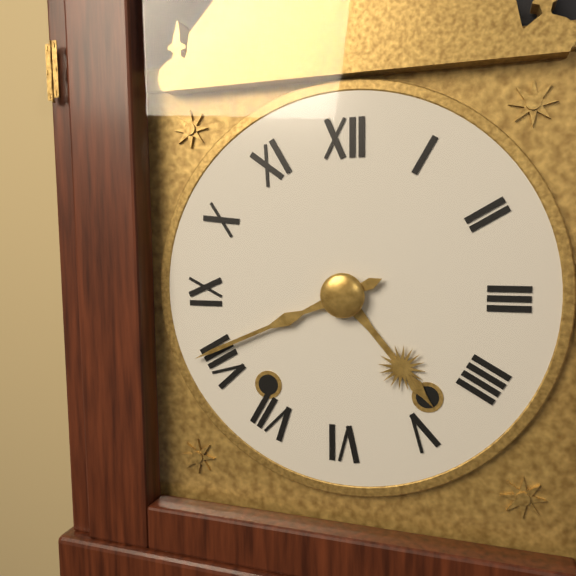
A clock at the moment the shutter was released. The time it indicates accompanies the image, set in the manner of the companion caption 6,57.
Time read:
4,41
